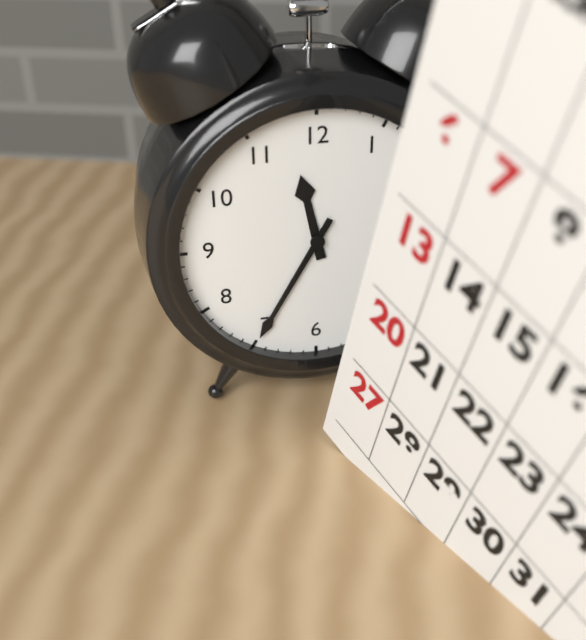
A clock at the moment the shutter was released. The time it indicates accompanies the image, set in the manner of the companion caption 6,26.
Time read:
11,35
